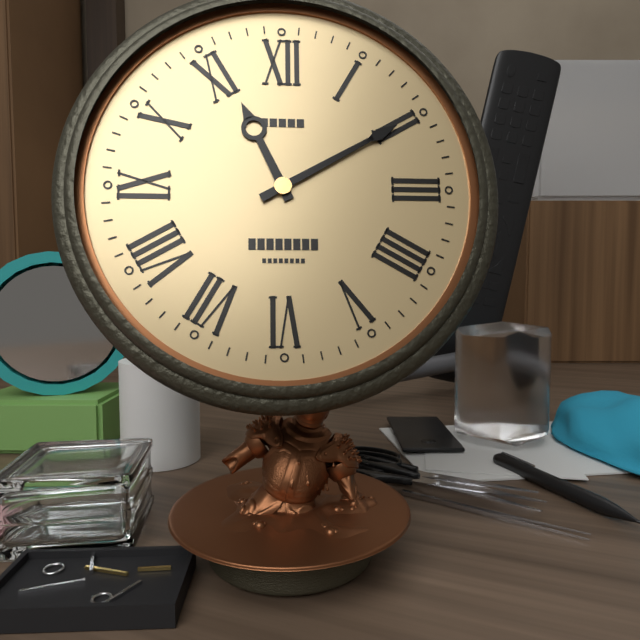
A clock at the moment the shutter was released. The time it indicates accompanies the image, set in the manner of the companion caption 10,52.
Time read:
11,10
